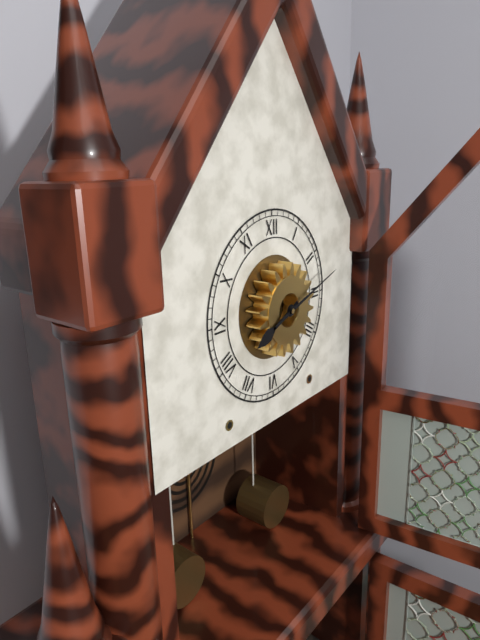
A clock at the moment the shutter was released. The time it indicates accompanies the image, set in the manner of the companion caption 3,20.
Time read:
8,12
